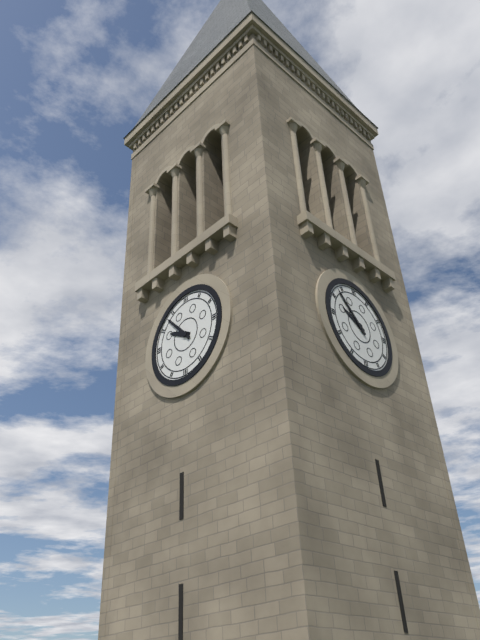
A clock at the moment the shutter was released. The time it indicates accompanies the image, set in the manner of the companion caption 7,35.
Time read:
9,53
